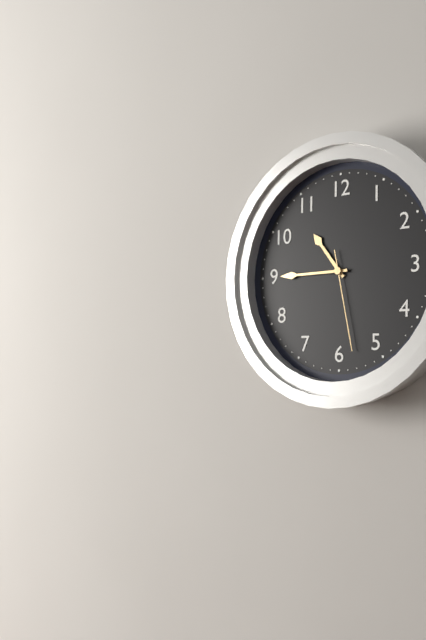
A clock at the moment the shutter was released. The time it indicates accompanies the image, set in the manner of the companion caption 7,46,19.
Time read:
10,45,28
